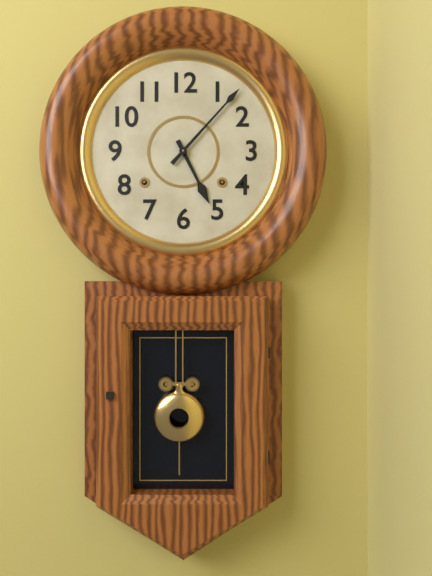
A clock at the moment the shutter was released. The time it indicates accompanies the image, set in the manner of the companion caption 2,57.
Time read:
5,07
